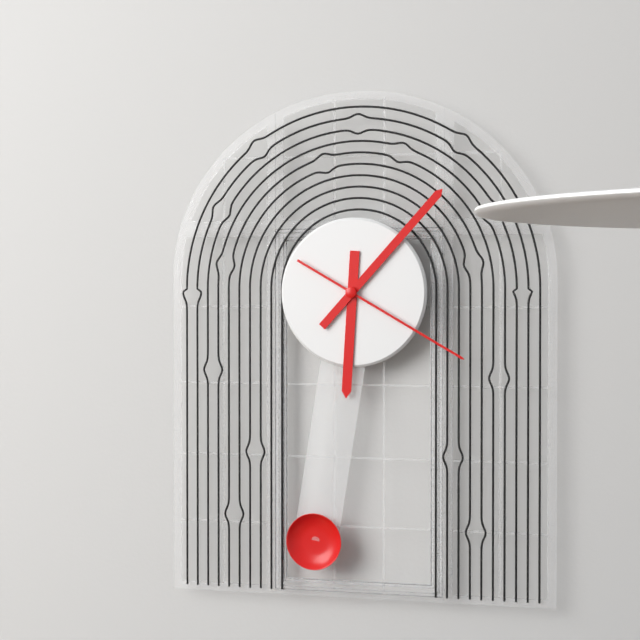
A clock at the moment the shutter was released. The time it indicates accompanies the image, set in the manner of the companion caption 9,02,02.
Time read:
6,07,20
